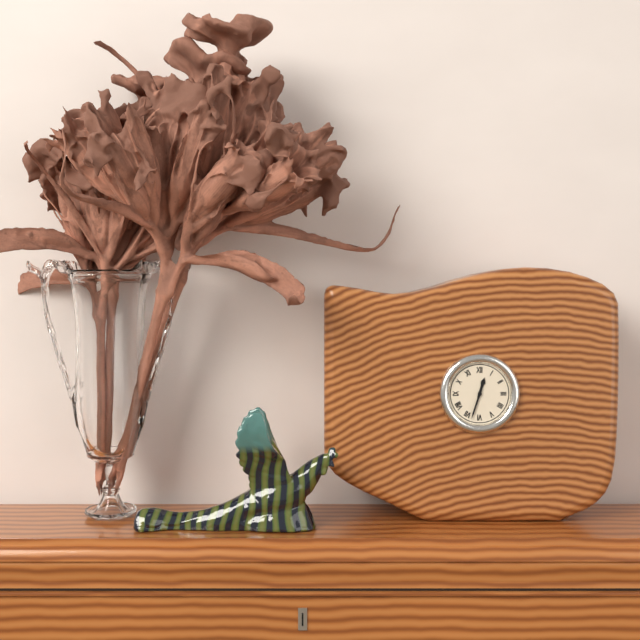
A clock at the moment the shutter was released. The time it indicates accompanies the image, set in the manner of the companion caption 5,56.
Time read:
12,33
